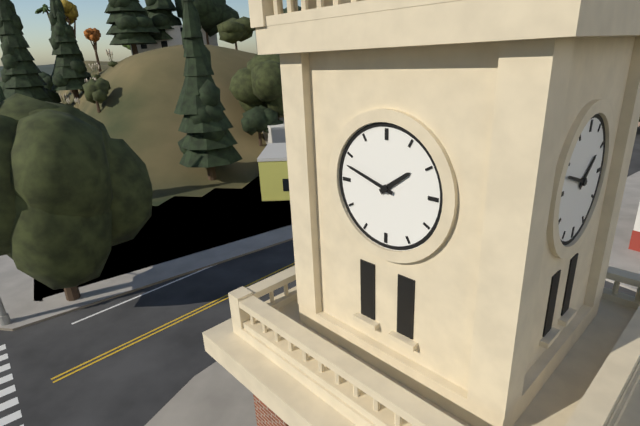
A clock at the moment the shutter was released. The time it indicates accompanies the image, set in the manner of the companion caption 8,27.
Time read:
1,48
